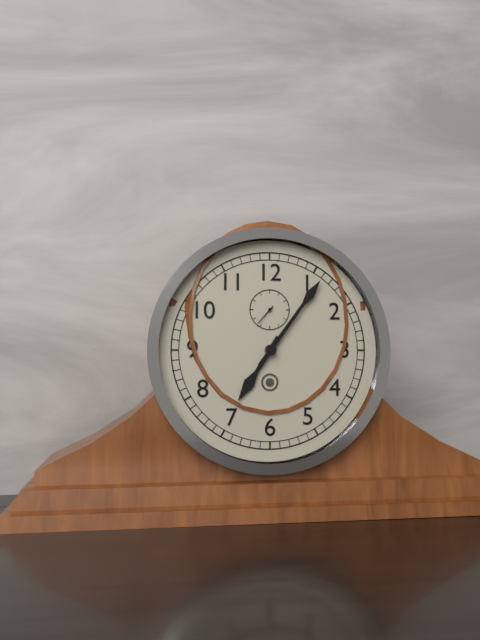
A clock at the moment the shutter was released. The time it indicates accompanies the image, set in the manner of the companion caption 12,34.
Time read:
7,06
